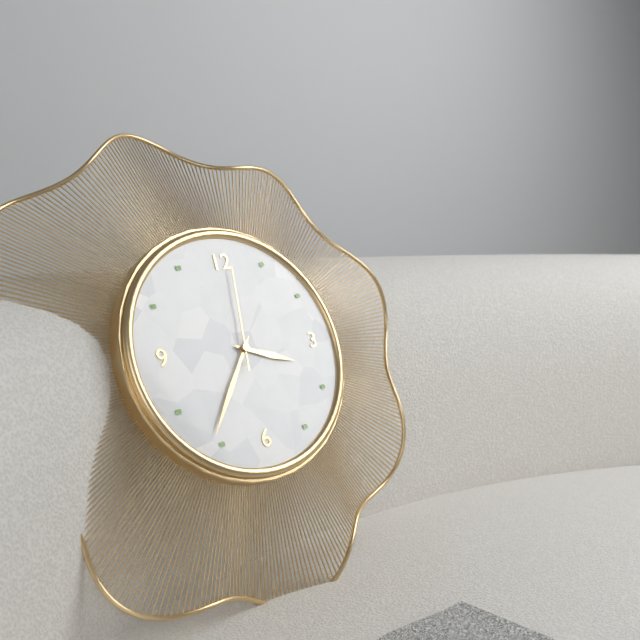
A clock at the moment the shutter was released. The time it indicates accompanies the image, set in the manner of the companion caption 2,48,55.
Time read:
3,36,01
